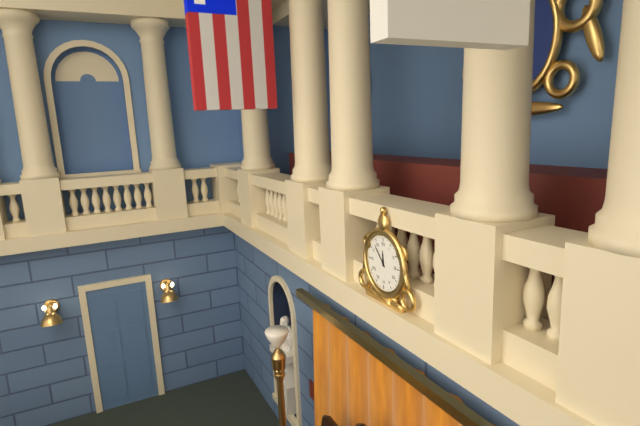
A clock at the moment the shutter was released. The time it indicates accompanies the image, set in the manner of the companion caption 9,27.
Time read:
11,53
